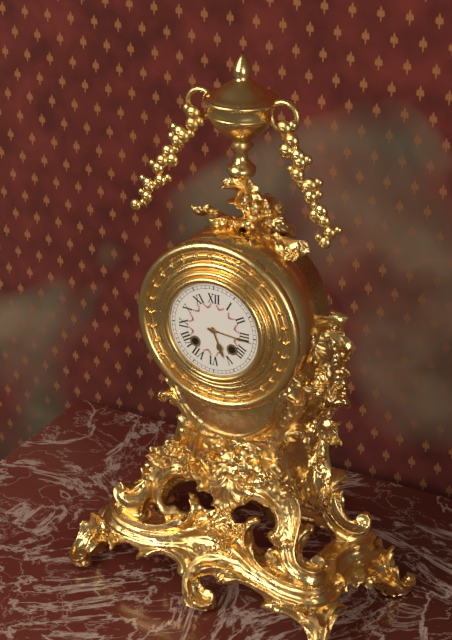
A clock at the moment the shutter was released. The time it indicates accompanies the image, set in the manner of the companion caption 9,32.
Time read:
5,16
